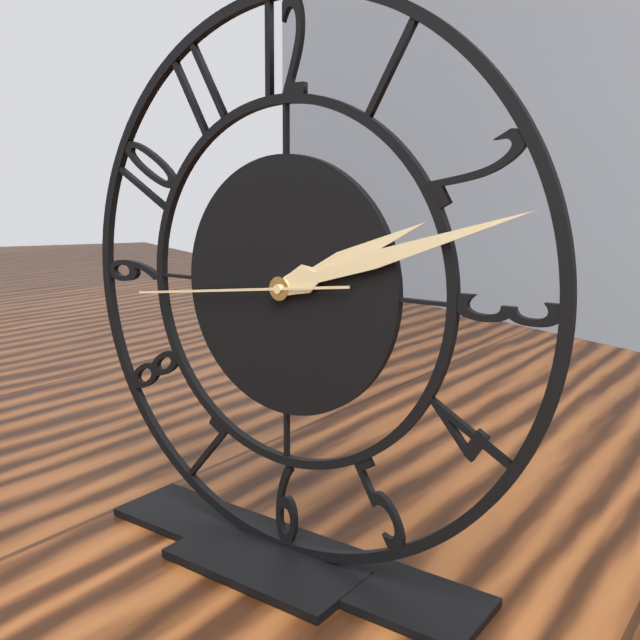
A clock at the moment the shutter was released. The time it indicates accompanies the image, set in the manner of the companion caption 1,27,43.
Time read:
2,12,44
